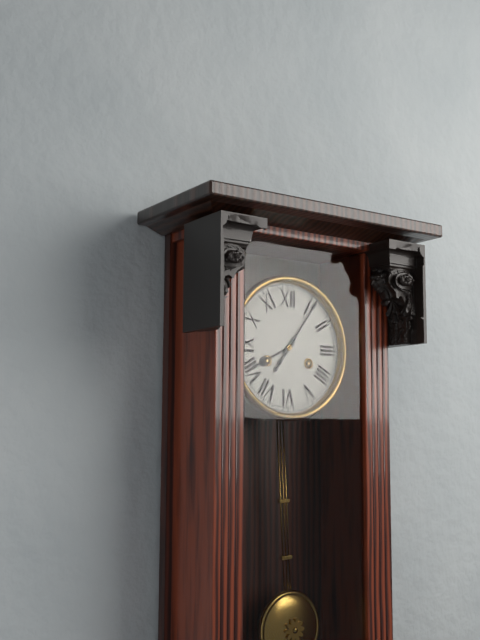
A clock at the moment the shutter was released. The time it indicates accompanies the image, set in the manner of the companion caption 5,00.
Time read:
8,06
